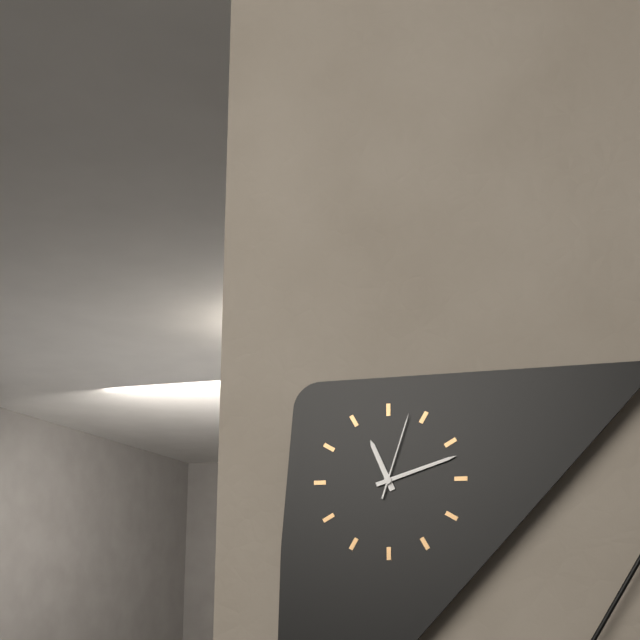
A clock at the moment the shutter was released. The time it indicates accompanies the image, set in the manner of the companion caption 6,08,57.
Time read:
11,12,03
